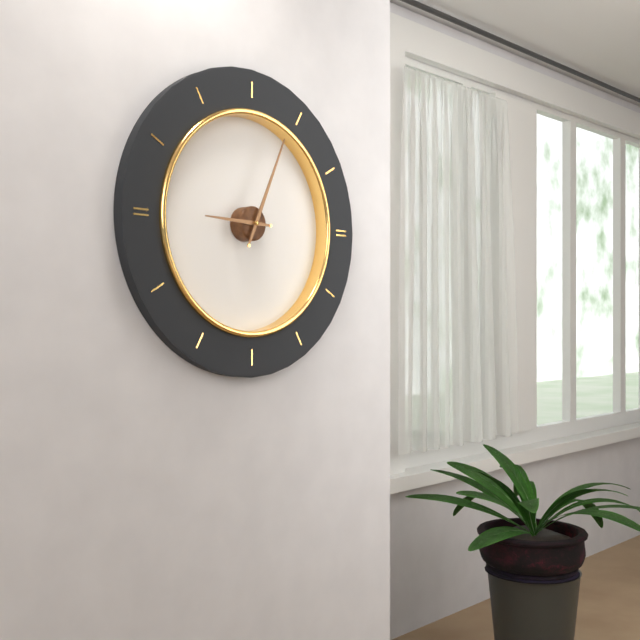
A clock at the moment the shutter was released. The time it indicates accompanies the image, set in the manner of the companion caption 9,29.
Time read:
9,04
